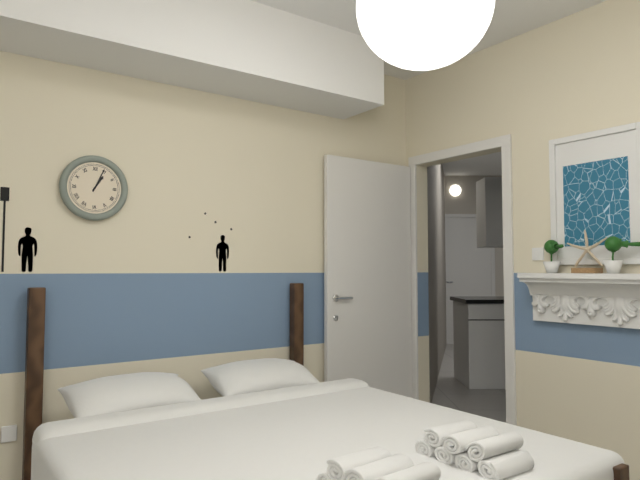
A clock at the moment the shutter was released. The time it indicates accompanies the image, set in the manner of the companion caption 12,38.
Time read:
1,04
